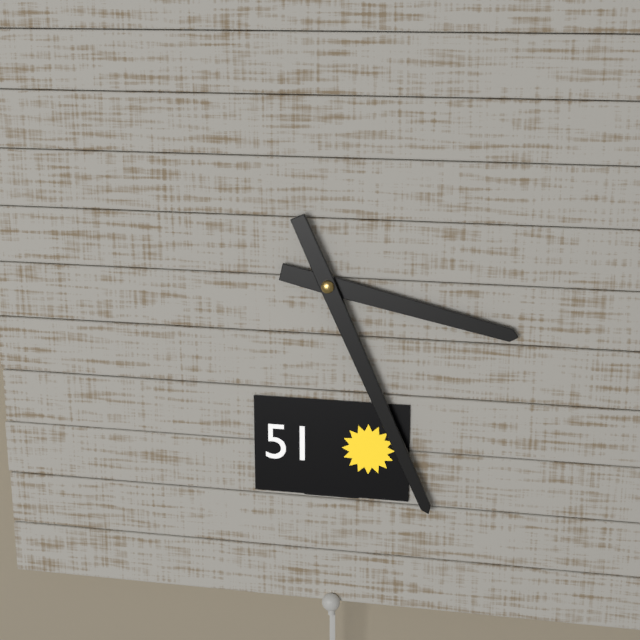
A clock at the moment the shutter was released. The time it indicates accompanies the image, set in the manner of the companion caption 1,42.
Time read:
3,26
